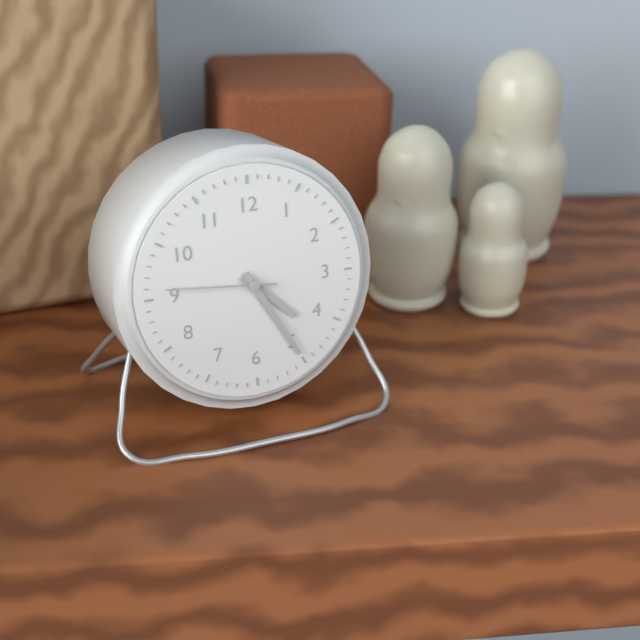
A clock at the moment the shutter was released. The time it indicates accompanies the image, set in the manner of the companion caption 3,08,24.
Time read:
4,25,46
